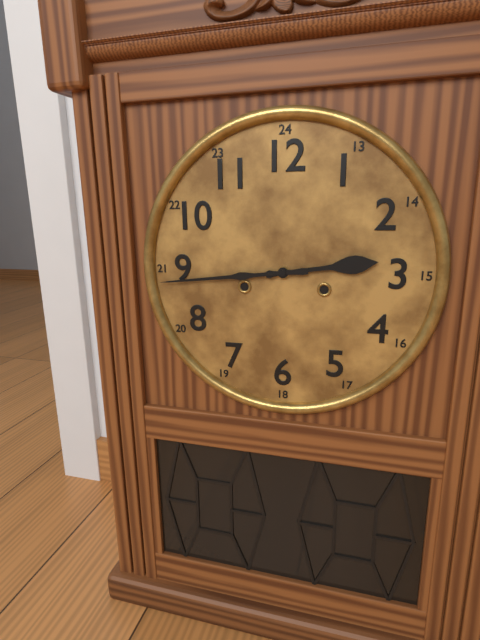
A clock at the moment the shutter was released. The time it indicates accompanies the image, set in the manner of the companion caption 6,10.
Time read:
2,44
